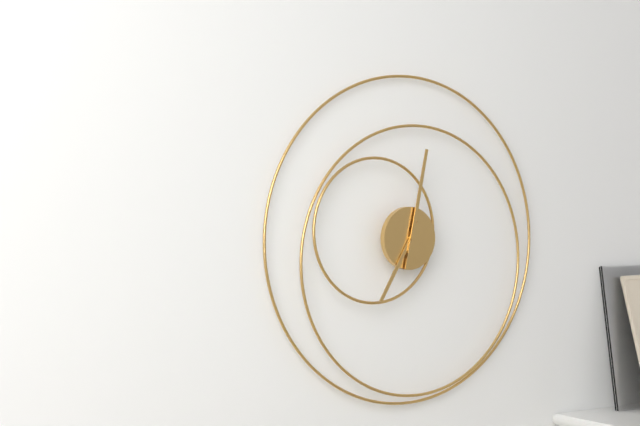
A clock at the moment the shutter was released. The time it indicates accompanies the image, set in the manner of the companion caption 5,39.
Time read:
7,02
